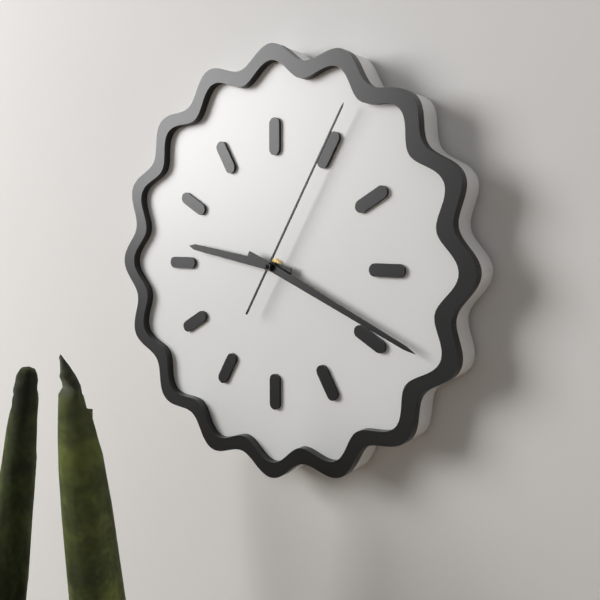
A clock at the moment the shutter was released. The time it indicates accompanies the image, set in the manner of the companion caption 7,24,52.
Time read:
9,19,05
